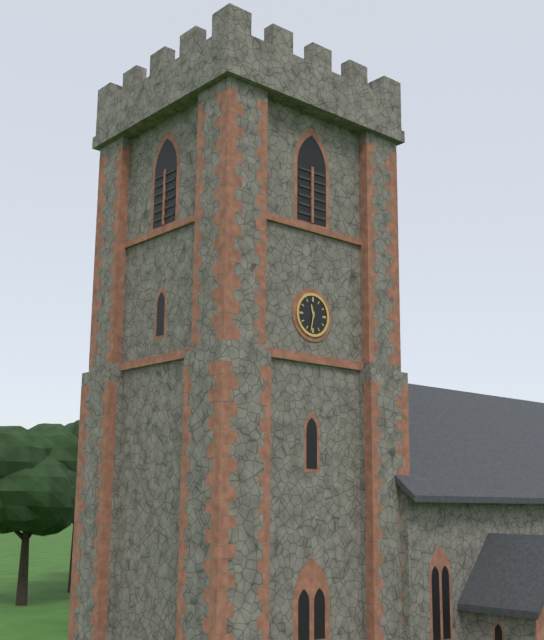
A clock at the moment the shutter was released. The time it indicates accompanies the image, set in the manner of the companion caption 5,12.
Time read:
11,32
